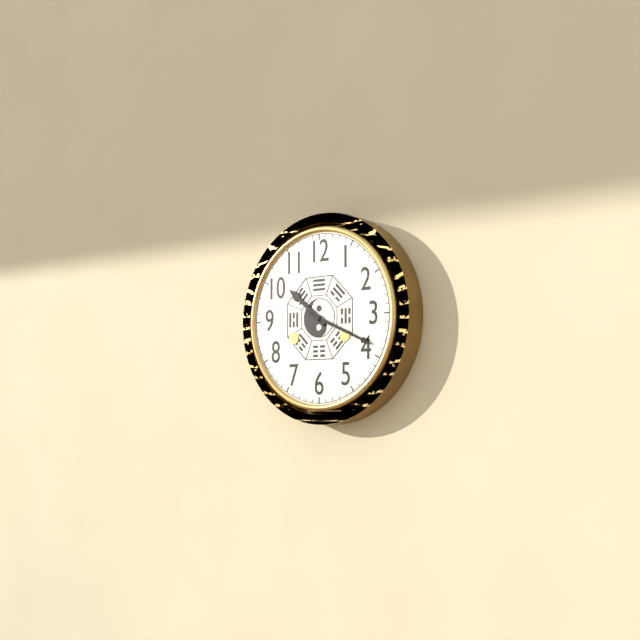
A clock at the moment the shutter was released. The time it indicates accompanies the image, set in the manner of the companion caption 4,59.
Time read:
10,19
